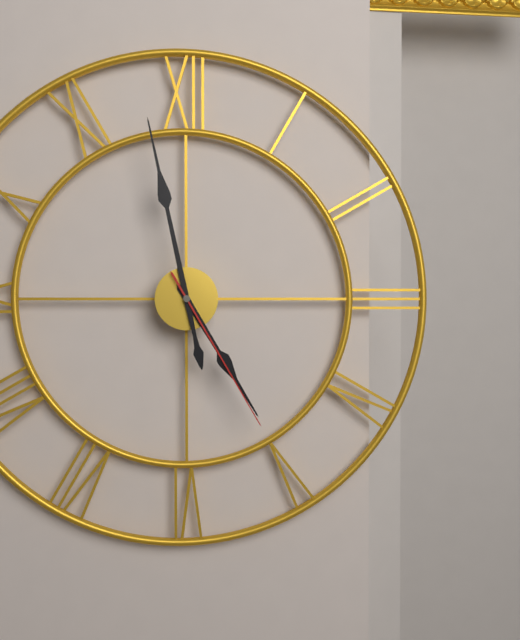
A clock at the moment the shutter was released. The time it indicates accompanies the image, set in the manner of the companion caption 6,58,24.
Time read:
4,58,25
